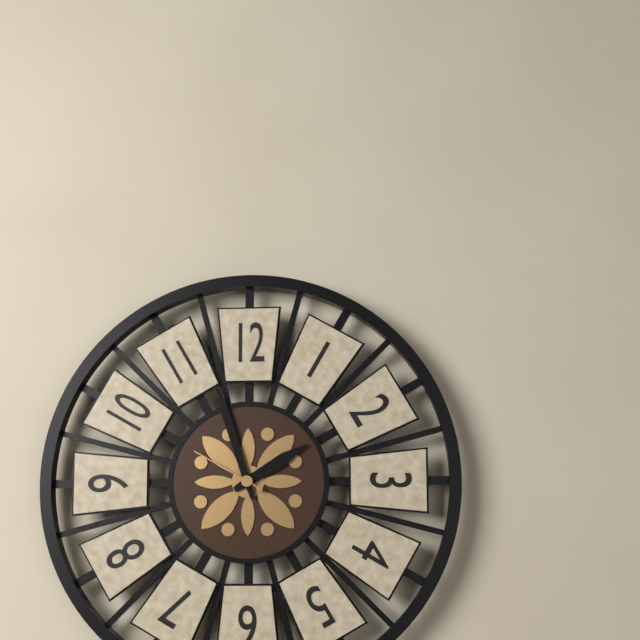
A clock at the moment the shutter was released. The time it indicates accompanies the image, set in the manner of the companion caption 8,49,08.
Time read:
1,57,50
